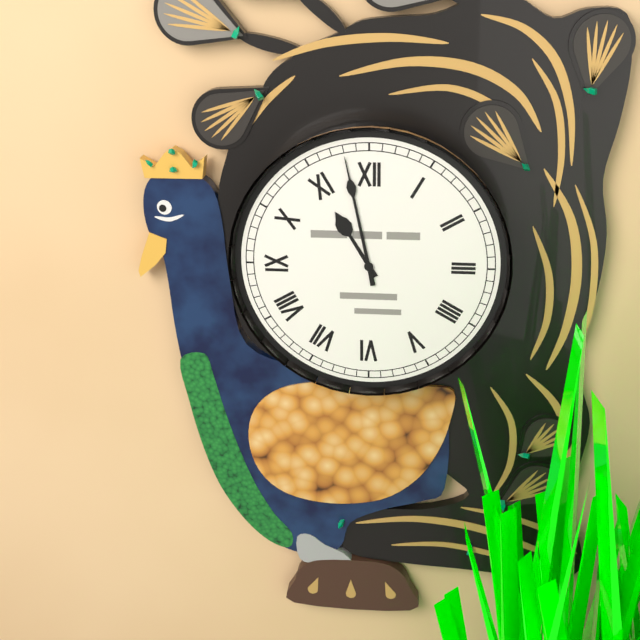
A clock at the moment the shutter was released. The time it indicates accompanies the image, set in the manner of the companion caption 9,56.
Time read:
10,58
